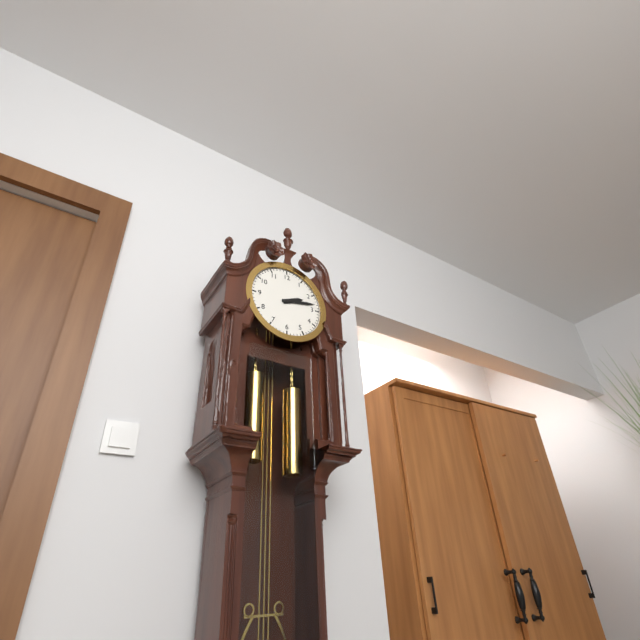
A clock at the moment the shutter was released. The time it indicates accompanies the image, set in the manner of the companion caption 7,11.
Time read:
2,13
